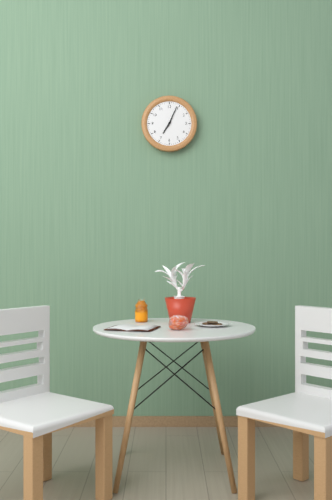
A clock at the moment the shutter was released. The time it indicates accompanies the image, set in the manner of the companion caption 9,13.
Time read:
7,04
